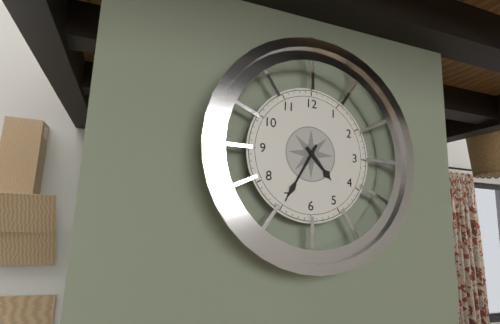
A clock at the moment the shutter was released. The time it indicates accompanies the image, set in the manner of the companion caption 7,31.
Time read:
4,35
